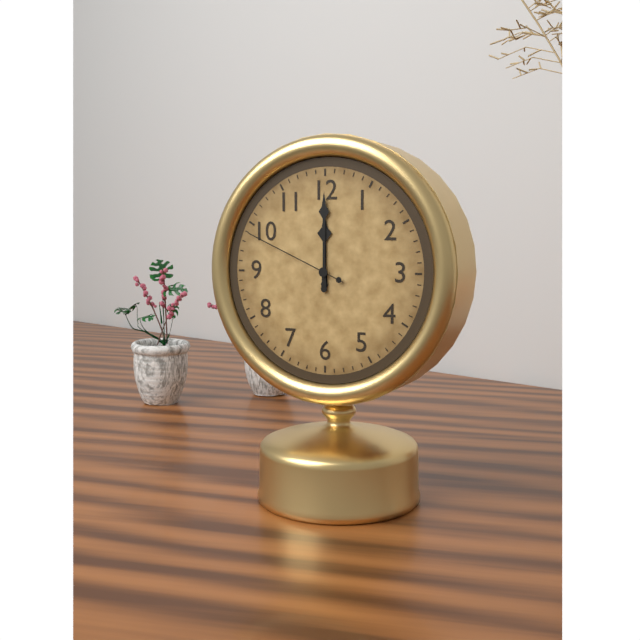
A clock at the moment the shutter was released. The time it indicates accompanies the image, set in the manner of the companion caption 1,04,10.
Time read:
12,00,49
